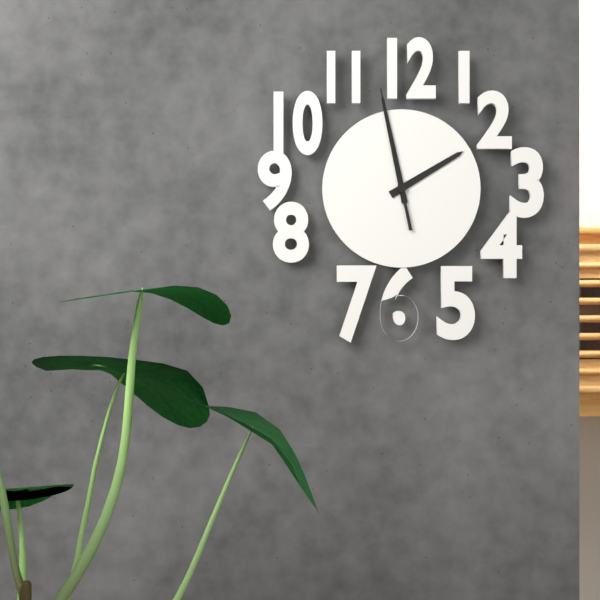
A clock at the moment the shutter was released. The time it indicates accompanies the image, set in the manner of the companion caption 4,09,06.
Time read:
1,58,58
